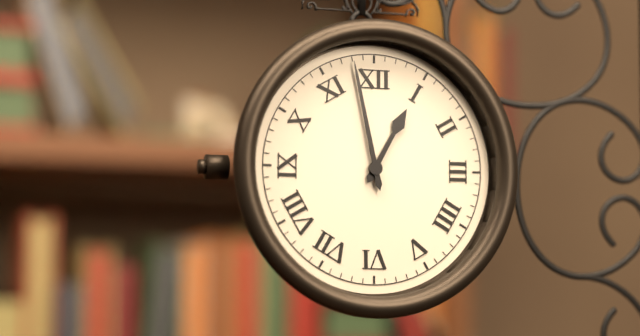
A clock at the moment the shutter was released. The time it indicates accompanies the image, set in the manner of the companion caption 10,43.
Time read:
12,58
